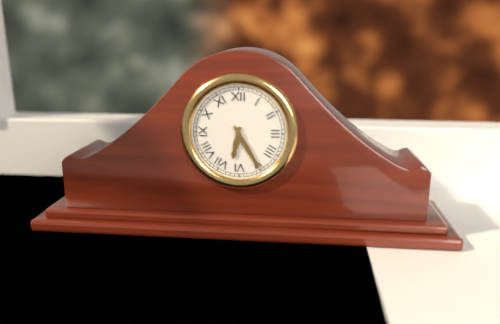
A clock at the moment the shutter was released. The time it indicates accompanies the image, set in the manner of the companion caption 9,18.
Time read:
6,25
